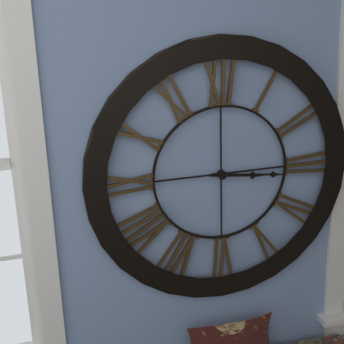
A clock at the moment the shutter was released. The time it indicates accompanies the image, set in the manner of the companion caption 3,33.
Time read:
3,16
